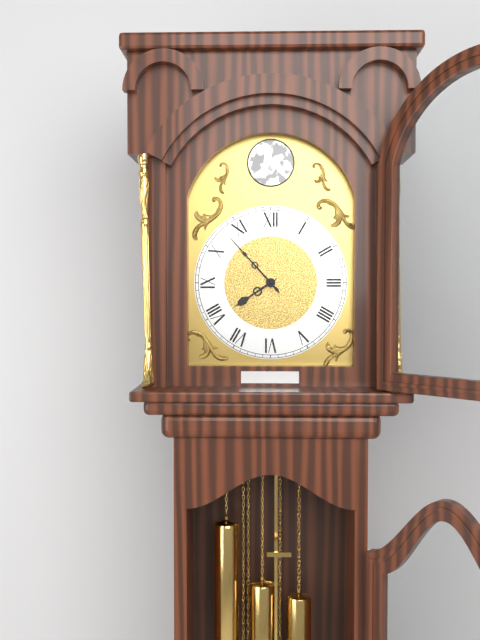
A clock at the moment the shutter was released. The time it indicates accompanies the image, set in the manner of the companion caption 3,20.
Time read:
7,53
